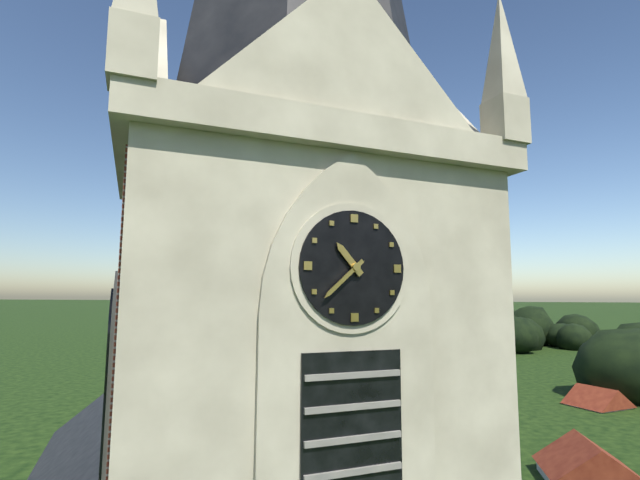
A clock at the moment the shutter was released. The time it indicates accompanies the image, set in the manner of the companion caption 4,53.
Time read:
10,38
